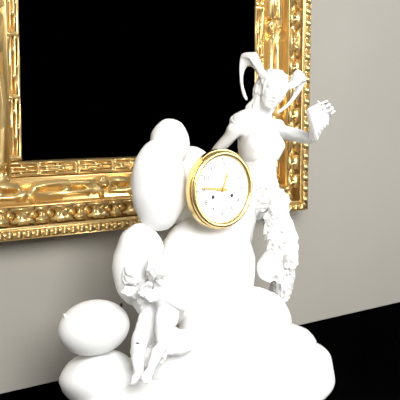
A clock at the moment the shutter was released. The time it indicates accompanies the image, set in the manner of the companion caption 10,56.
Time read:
12,46
